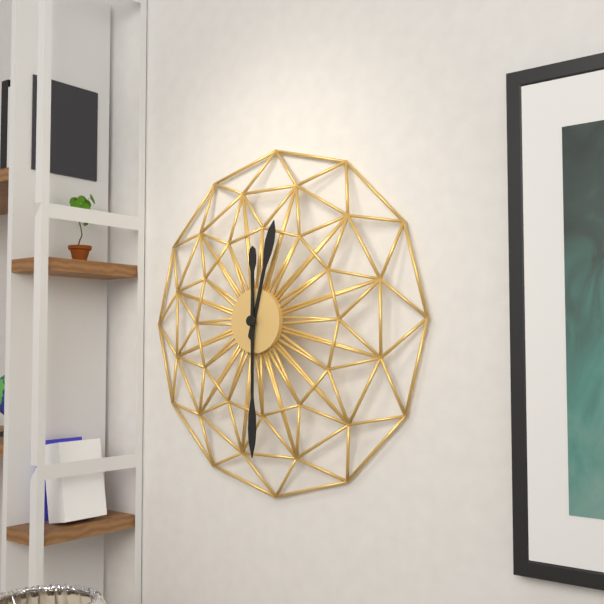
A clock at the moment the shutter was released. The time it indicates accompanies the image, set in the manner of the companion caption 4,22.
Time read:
12,30
